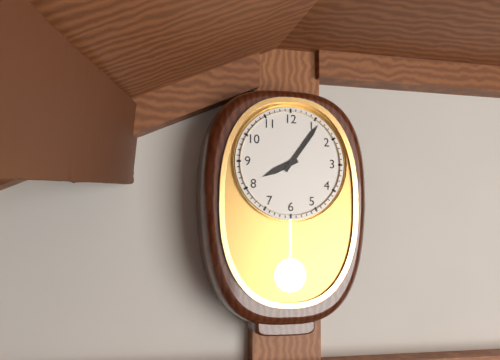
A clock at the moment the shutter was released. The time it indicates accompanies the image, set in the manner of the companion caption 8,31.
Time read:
8,06
